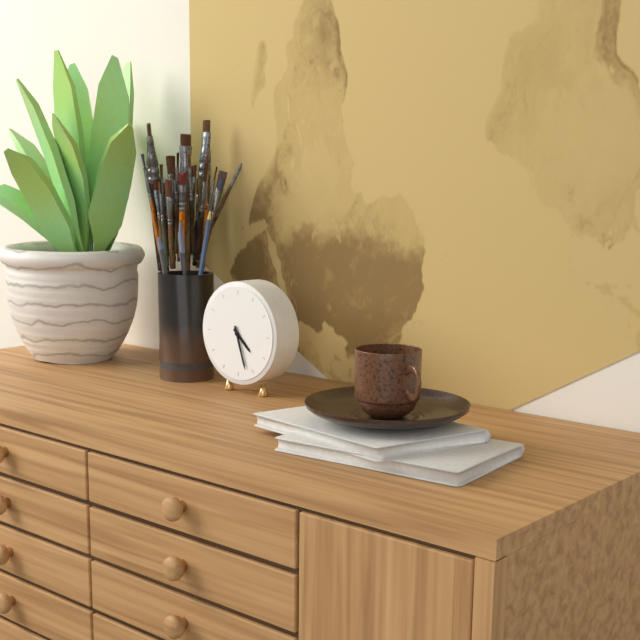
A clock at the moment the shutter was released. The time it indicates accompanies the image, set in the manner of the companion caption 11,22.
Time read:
4,27
